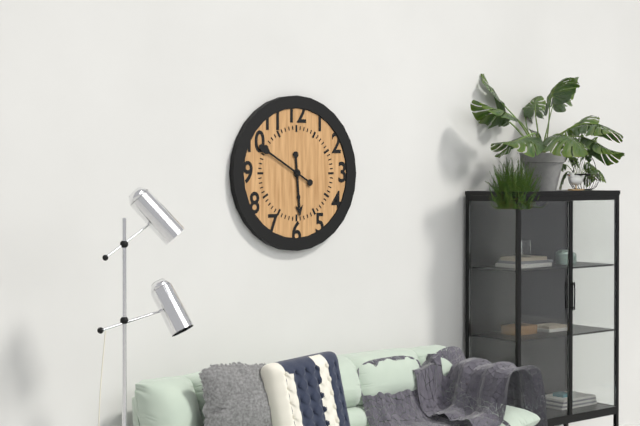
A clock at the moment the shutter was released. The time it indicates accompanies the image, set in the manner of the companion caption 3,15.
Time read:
5,50
